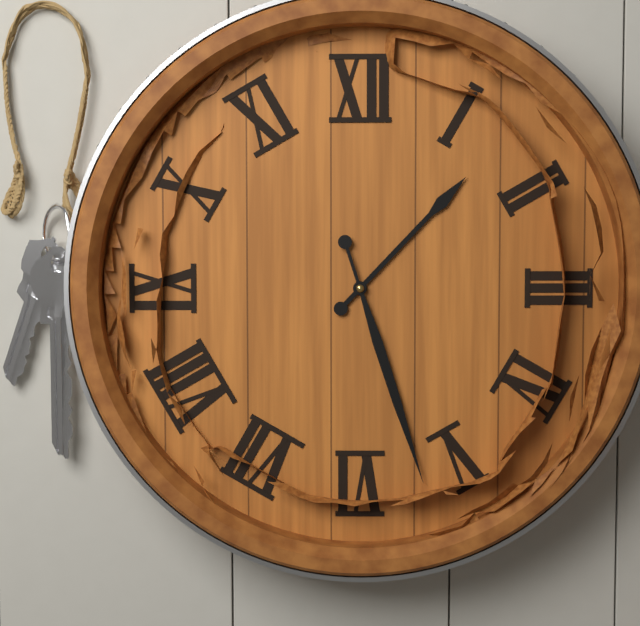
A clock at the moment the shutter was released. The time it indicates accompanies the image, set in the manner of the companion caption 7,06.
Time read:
1,27
